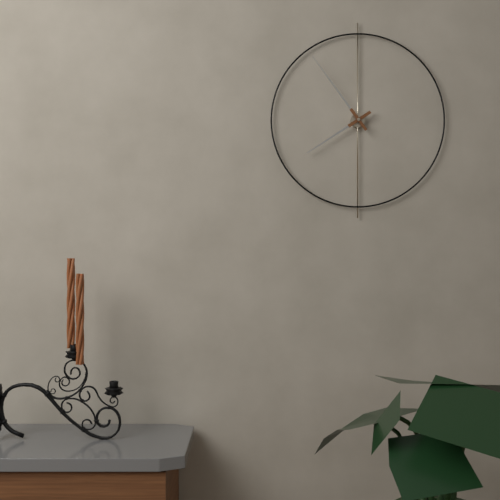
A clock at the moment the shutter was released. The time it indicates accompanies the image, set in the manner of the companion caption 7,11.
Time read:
7,54
